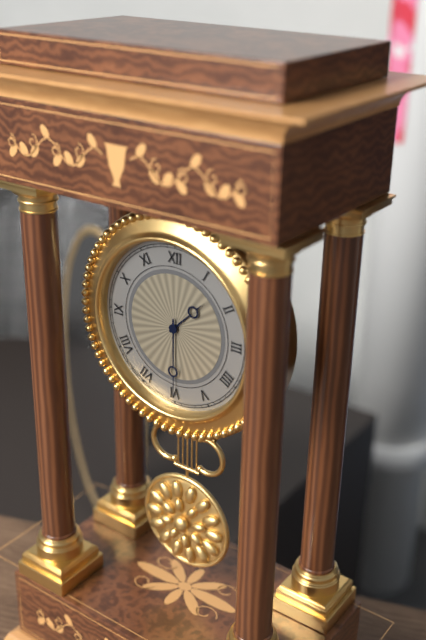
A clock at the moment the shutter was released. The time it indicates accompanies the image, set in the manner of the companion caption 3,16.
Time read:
1,30
